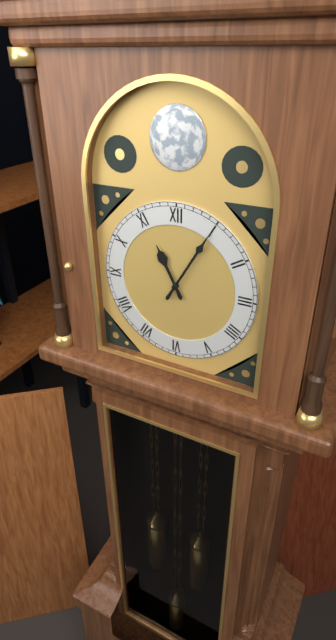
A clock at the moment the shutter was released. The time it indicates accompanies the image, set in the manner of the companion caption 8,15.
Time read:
11,05
